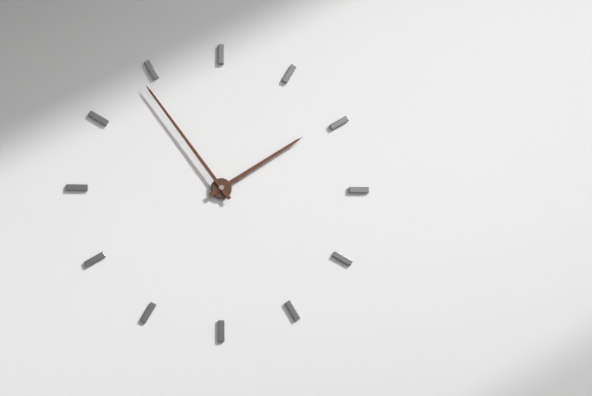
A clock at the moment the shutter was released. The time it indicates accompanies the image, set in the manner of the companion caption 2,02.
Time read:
1,54
